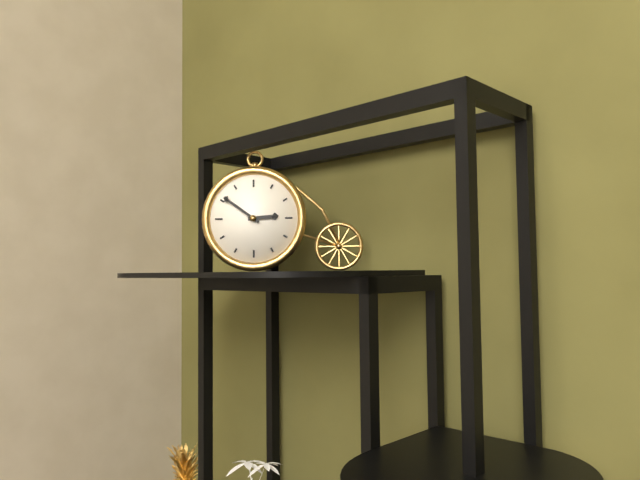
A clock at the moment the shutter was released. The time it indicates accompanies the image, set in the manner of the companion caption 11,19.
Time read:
2,51
